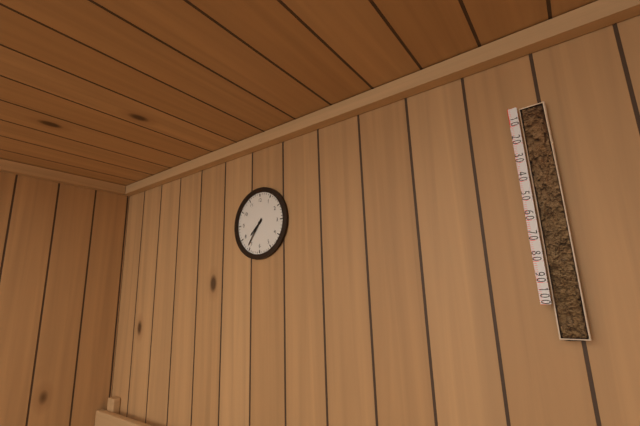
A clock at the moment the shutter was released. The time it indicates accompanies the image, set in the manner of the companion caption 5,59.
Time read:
7,36
